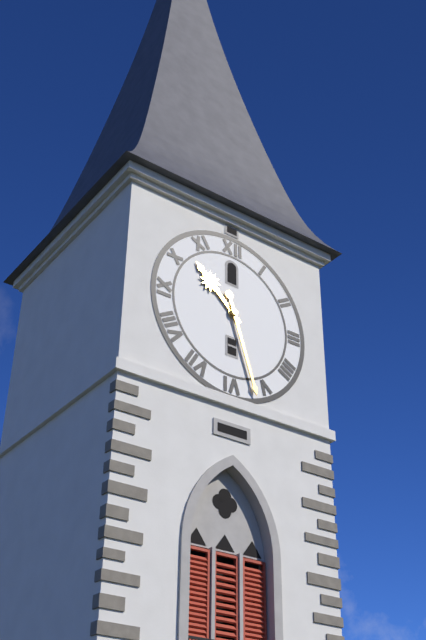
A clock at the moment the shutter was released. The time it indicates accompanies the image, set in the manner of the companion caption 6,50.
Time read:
10,27
